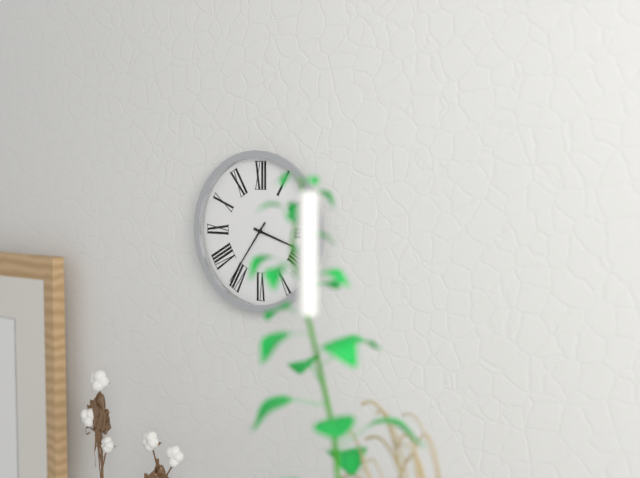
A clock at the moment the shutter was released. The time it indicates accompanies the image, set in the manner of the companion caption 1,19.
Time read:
3,36
